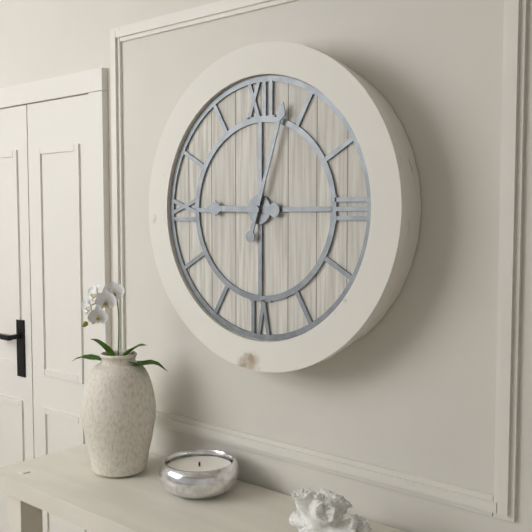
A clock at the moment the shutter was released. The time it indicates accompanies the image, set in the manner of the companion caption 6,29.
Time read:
9,03
